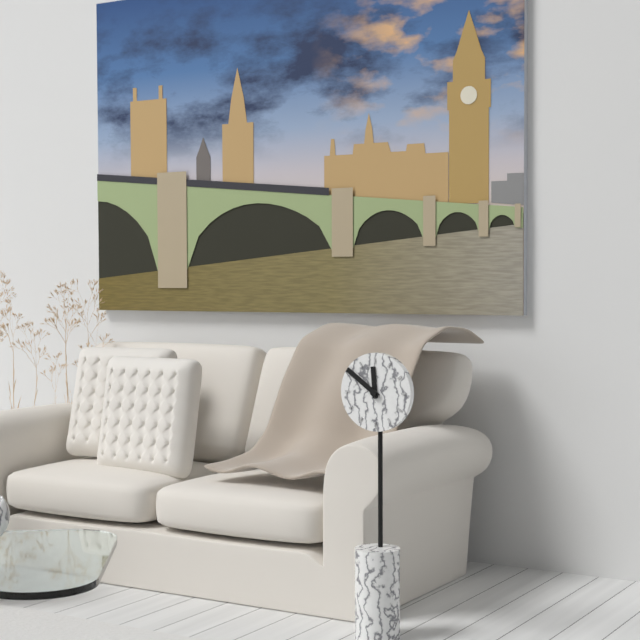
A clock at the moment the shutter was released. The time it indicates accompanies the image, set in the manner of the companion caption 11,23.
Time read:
11,51
